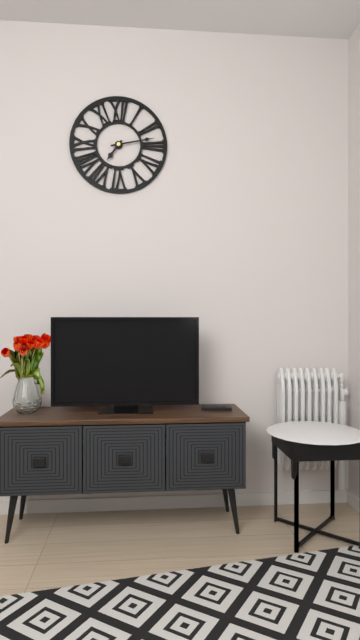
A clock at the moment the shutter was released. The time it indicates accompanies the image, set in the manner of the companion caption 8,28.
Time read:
7,13
